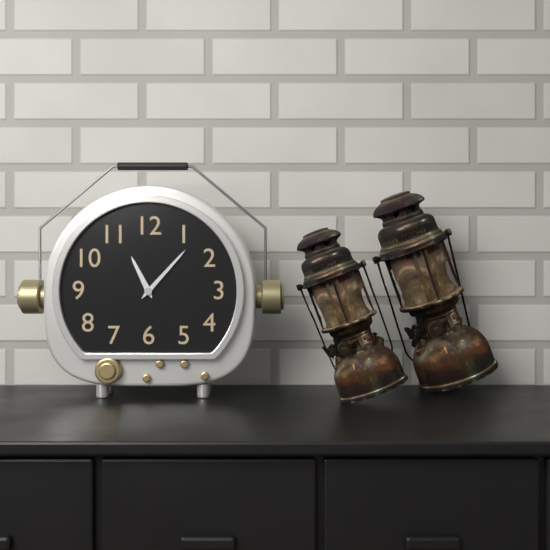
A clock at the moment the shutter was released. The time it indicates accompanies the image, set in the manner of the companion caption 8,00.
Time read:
11,07
